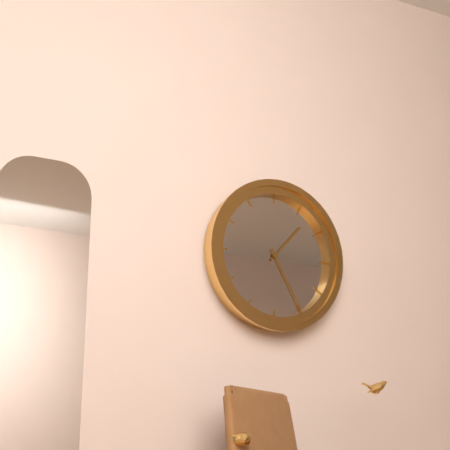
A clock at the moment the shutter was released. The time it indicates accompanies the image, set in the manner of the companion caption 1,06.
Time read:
1,25
